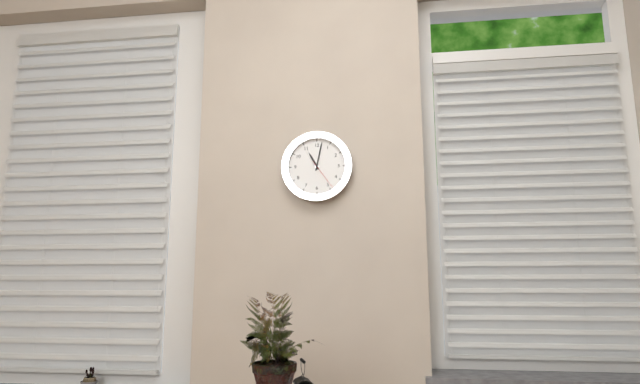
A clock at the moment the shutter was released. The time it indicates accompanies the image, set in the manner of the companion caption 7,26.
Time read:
11,02
